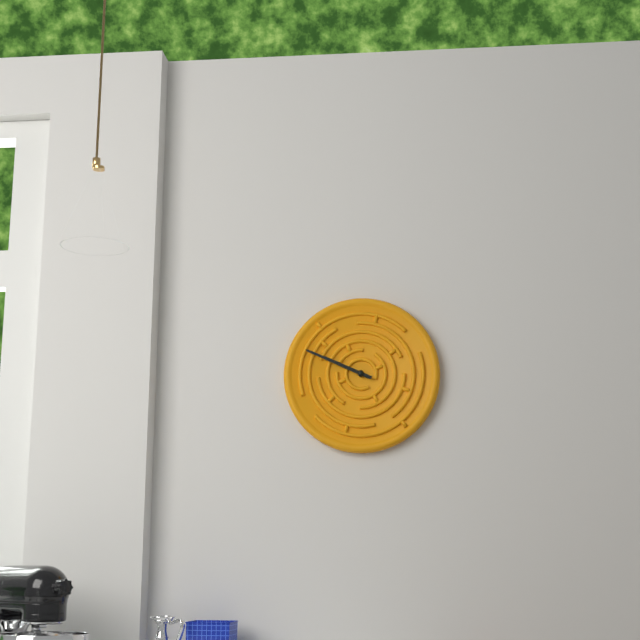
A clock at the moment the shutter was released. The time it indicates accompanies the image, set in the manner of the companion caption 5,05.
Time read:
9,49
